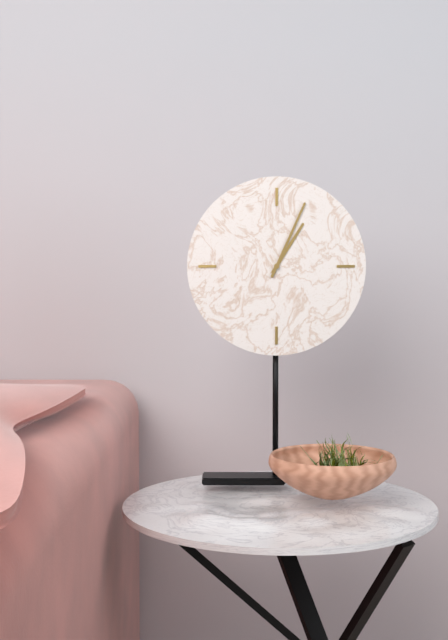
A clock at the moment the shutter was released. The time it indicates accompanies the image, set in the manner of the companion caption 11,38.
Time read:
1,04
